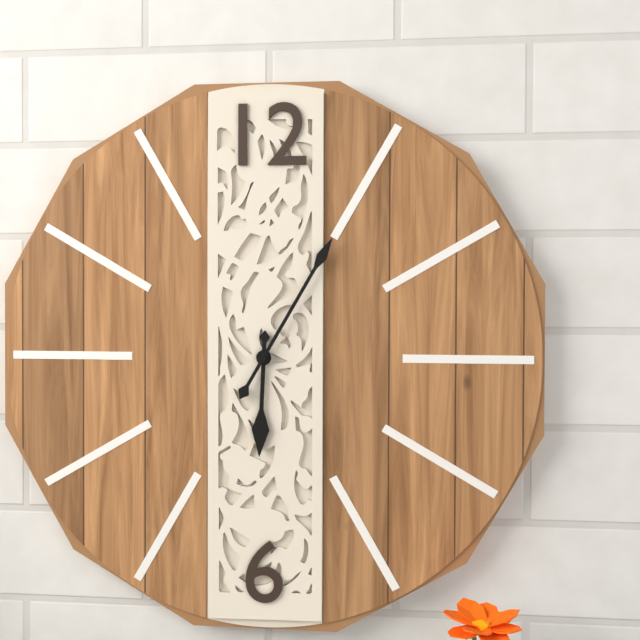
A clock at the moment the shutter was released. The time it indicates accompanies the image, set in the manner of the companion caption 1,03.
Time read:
6,05
